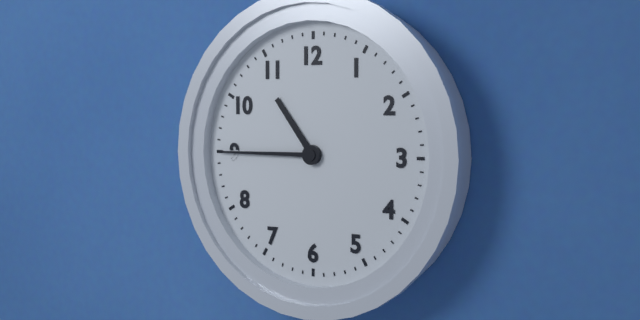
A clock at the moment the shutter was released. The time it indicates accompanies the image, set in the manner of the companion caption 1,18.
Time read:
10,45
